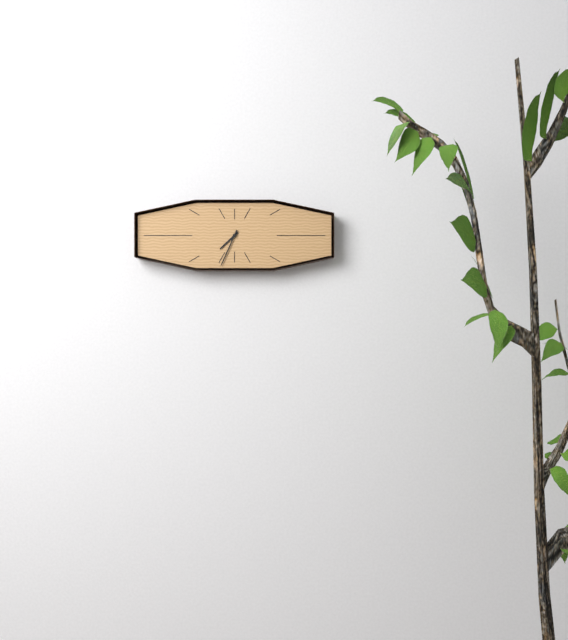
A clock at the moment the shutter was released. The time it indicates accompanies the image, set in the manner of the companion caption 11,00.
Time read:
7,34
